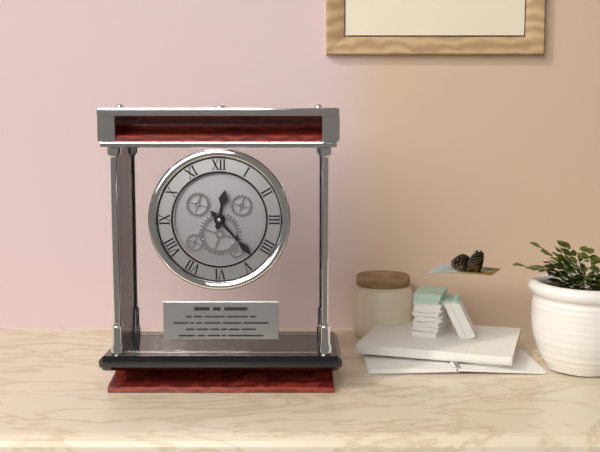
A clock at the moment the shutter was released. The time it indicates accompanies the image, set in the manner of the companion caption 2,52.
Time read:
12,23
